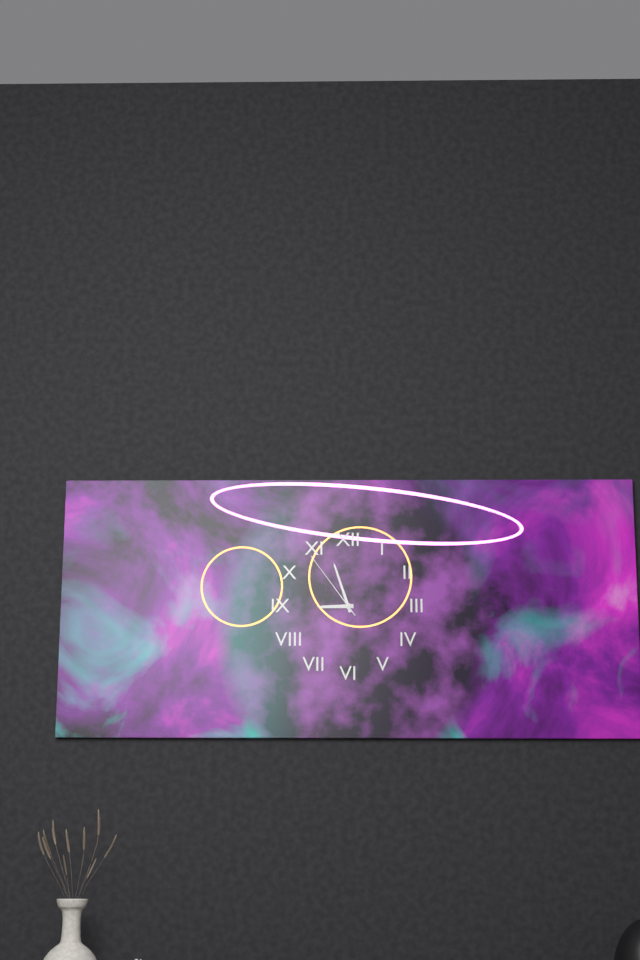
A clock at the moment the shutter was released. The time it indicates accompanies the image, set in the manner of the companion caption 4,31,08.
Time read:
8,57,54
